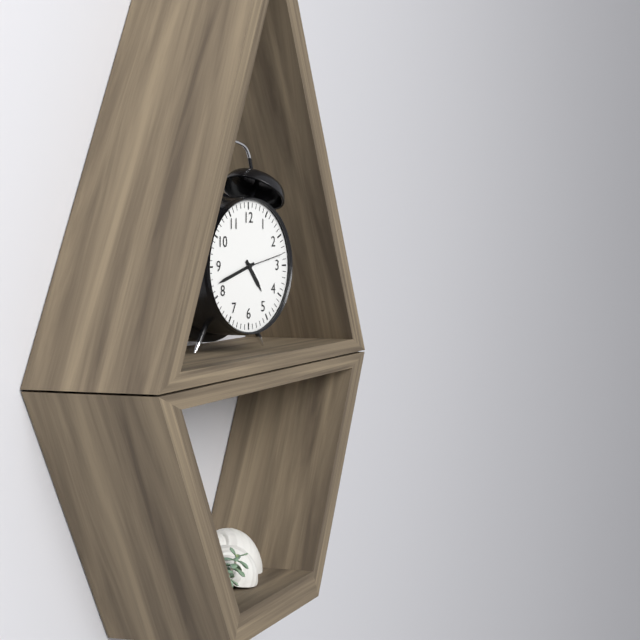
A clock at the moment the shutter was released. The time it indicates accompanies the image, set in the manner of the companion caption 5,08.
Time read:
4,42
